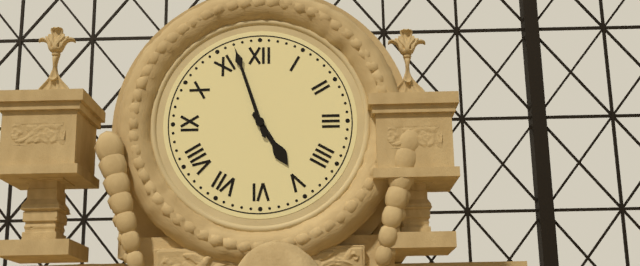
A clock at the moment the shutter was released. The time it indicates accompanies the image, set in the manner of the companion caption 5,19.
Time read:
4,57
